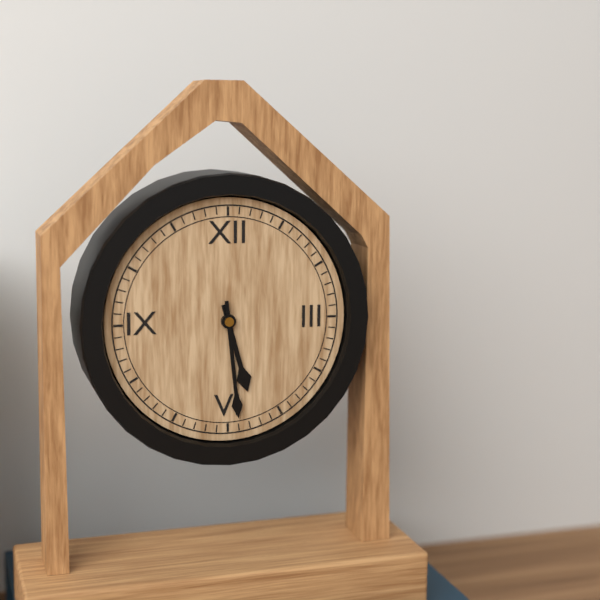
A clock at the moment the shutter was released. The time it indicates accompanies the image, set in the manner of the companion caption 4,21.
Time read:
5,29
